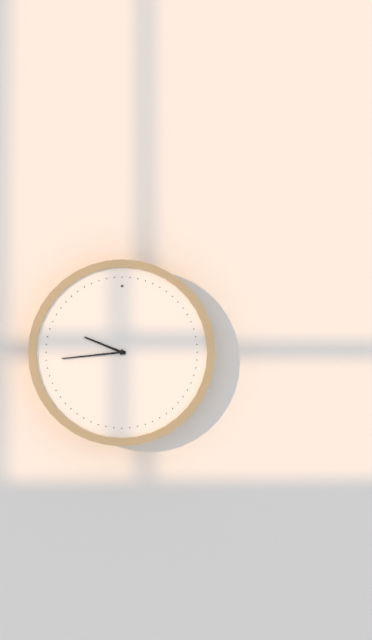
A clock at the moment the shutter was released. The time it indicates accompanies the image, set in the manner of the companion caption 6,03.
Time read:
9,44
